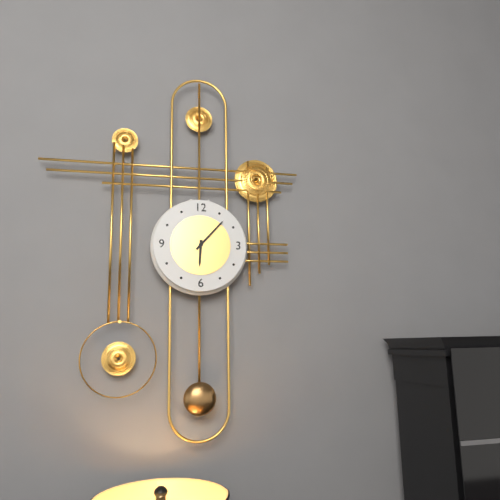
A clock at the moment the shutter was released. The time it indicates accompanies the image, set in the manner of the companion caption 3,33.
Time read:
6,07
